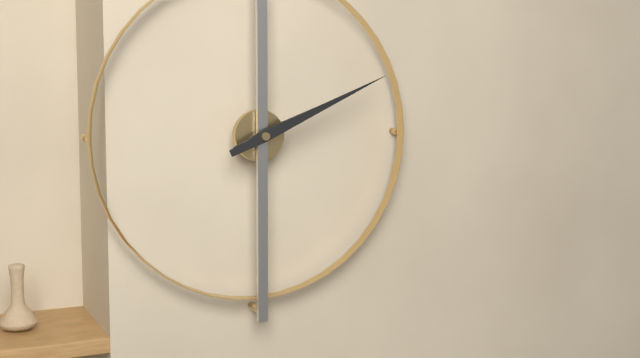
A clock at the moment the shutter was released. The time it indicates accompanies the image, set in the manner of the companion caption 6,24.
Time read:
2,11
